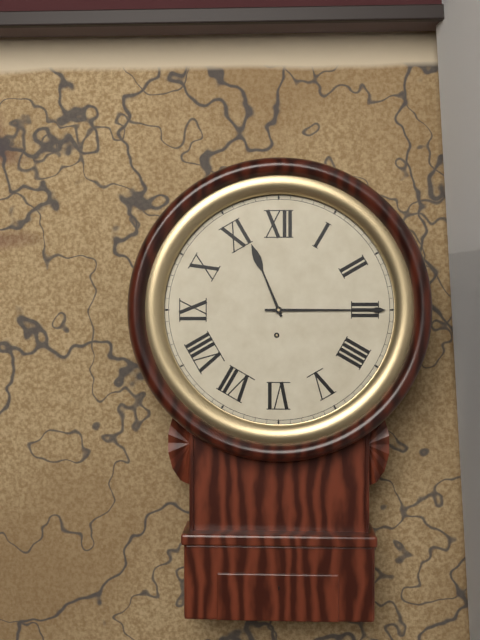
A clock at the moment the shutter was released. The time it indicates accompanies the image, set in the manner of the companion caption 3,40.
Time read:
11,15
